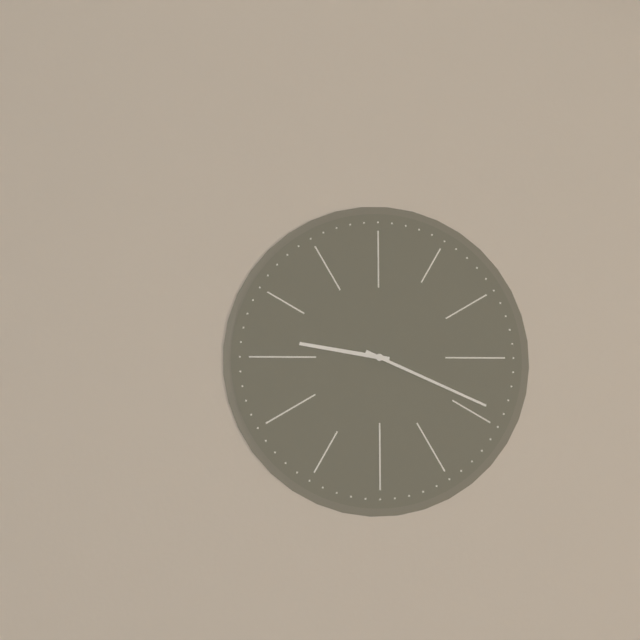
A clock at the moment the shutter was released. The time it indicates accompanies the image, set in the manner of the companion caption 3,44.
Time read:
9,19
